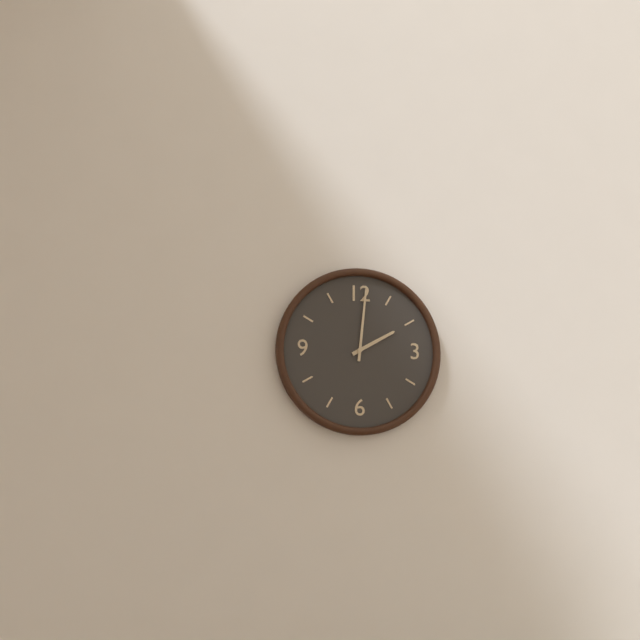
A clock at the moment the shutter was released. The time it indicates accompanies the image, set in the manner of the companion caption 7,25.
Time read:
2,01
